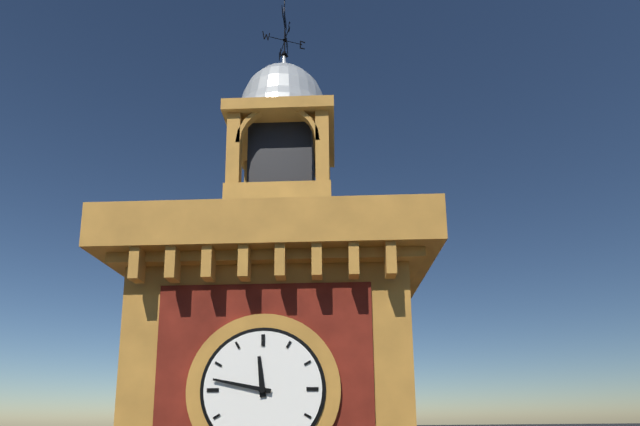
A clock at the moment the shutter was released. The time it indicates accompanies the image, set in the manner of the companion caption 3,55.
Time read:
11,47
